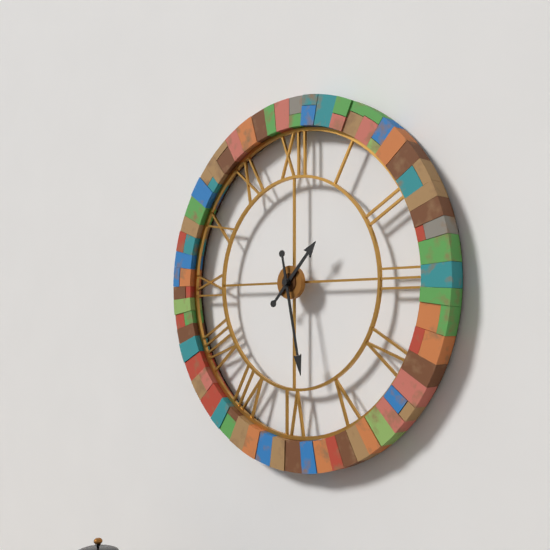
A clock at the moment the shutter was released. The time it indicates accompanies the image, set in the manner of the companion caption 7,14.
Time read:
1,28
